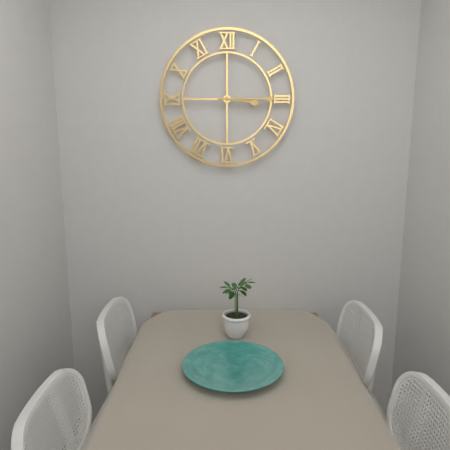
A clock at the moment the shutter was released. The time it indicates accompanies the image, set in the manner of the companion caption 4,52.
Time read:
3,15
